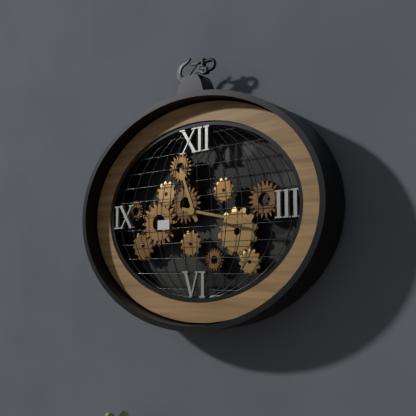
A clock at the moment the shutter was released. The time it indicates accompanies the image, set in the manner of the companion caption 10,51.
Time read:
11,17
